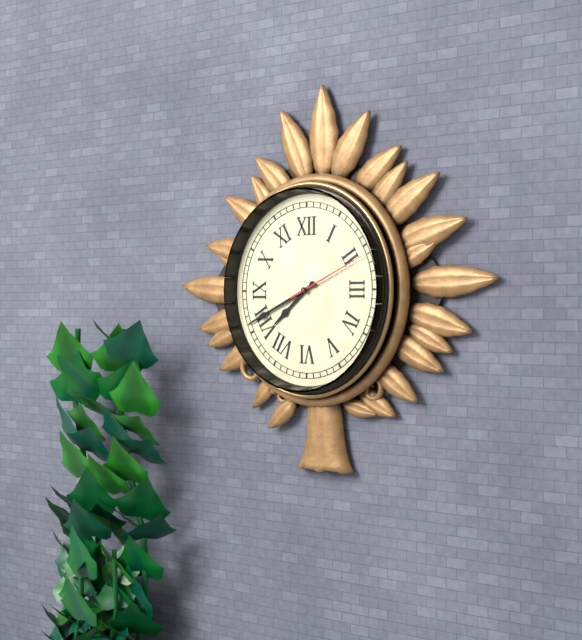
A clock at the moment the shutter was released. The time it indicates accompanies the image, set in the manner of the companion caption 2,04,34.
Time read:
7,41,11
